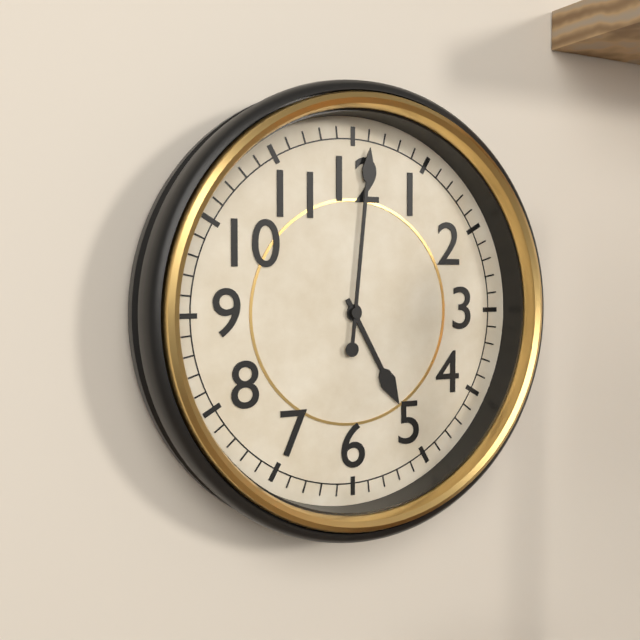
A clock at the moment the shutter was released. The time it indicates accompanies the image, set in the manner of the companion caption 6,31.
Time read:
5,01
